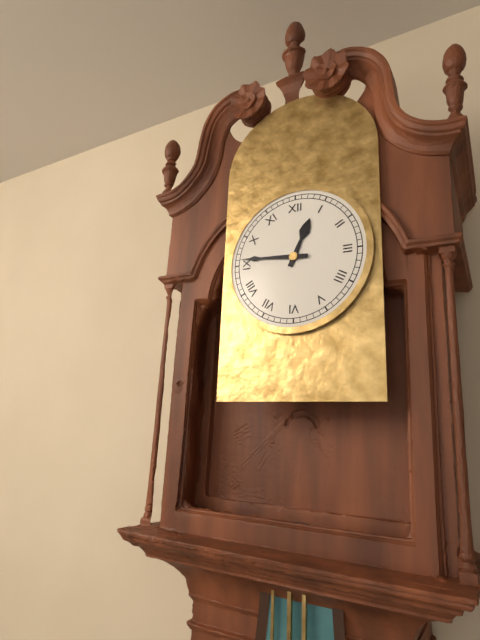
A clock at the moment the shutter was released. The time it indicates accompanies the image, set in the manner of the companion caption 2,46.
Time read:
12,46
